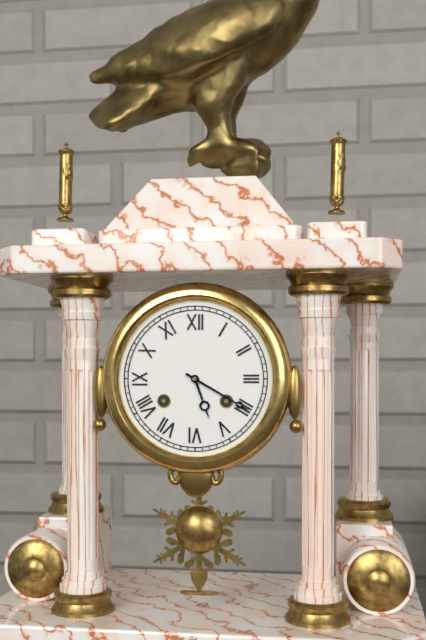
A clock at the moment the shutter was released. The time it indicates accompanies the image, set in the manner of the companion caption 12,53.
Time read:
5,20
